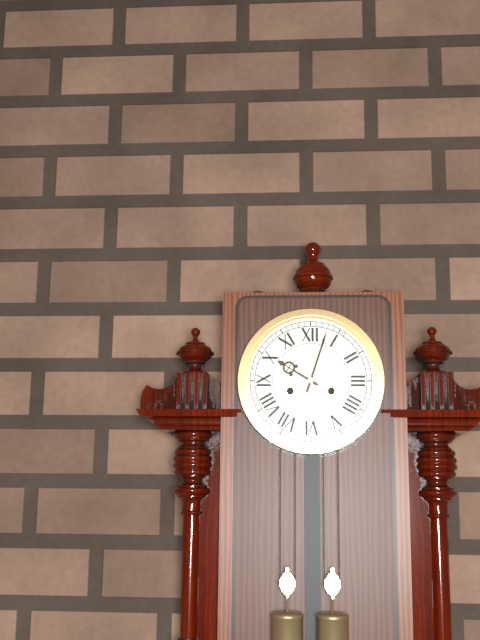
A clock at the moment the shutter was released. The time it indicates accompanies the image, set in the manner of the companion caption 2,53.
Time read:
10,03
